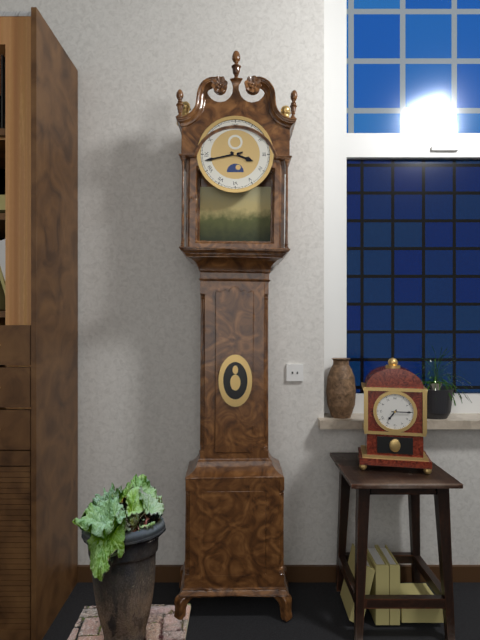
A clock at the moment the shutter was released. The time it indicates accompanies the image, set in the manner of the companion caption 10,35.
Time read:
3,43
